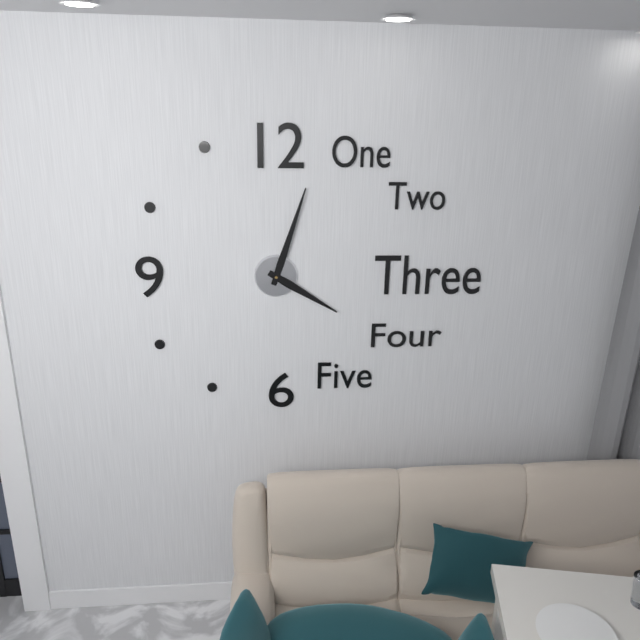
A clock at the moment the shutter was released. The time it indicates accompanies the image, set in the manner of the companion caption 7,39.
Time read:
4,03
